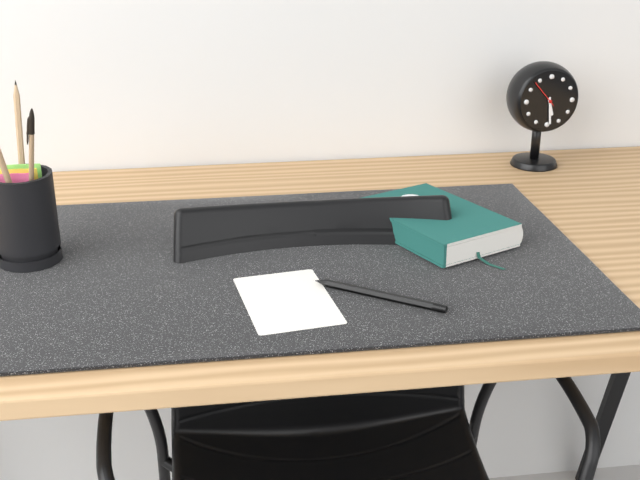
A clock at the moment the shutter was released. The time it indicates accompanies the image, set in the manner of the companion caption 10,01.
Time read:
5,29
